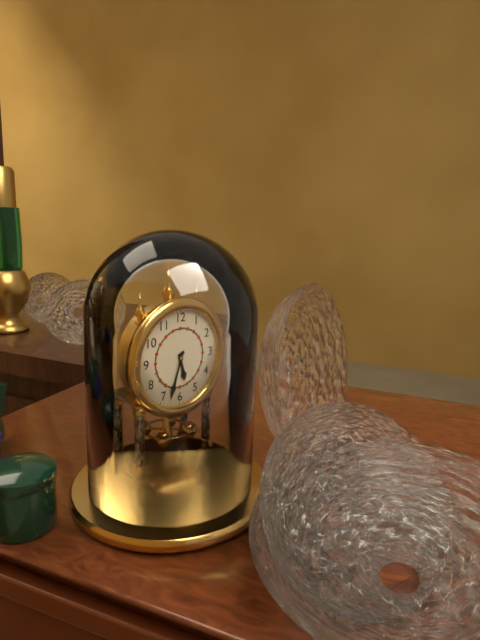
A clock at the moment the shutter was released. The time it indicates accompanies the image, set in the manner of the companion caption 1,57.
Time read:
5,33
